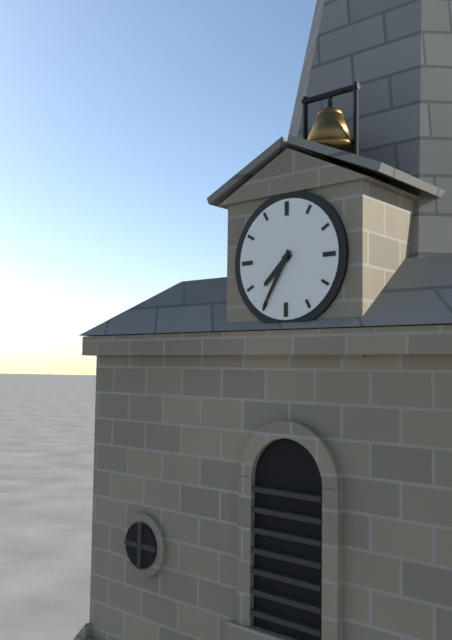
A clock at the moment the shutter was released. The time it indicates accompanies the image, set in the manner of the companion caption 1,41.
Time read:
7,35
